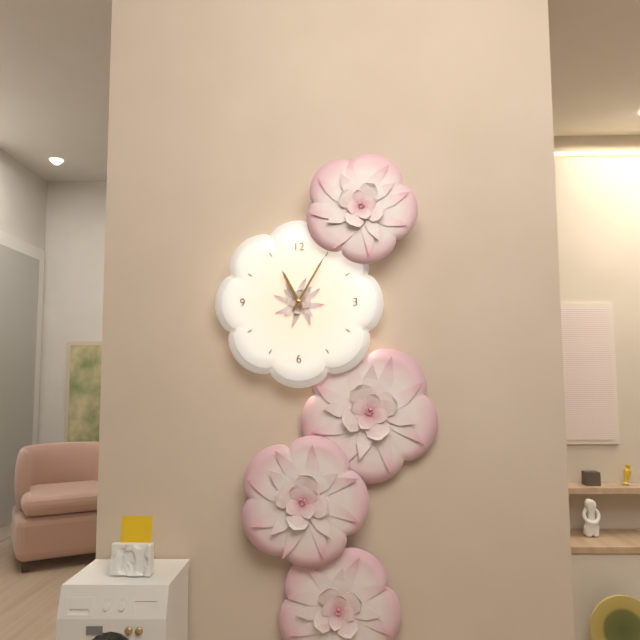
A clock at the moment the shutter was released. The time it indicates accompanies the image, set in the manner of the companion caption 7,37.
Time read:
11,05
